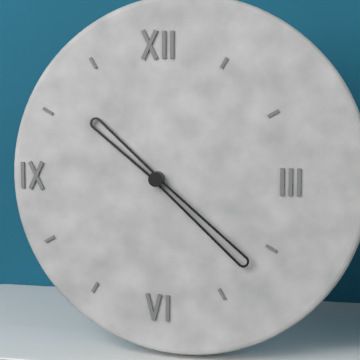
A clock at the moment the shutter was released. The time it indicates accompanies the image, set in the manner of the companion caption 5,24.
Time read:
10,22
